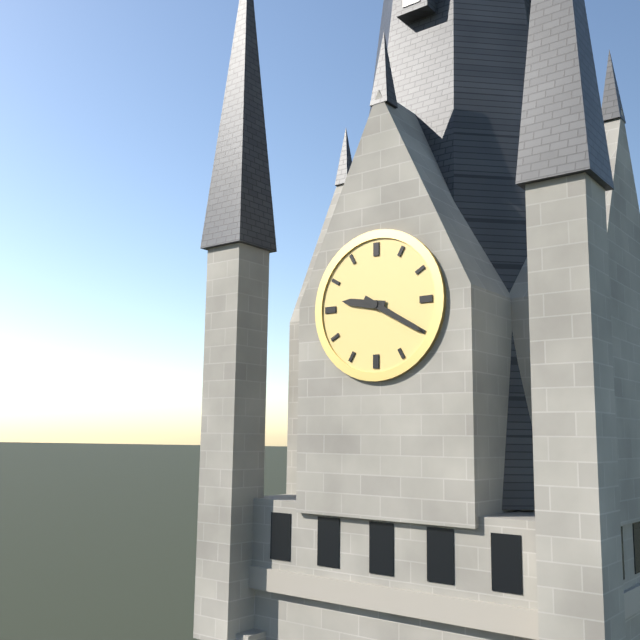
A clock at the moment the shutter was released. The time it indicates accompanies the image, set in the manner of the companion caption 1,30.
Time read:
9,20
